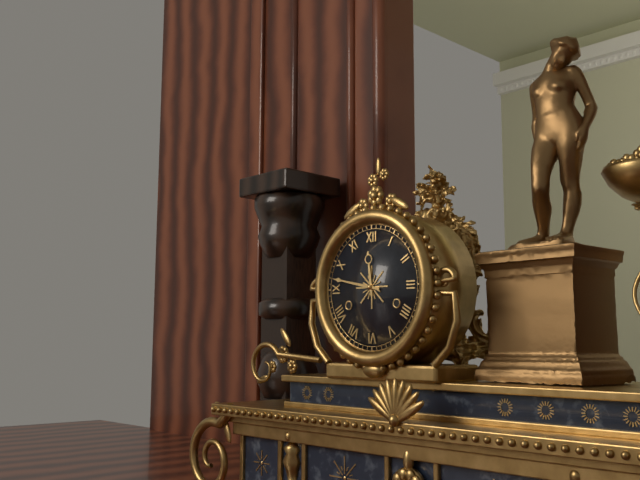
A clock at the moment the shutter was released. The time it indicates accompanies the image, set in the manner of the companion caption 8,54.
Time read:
11,47
